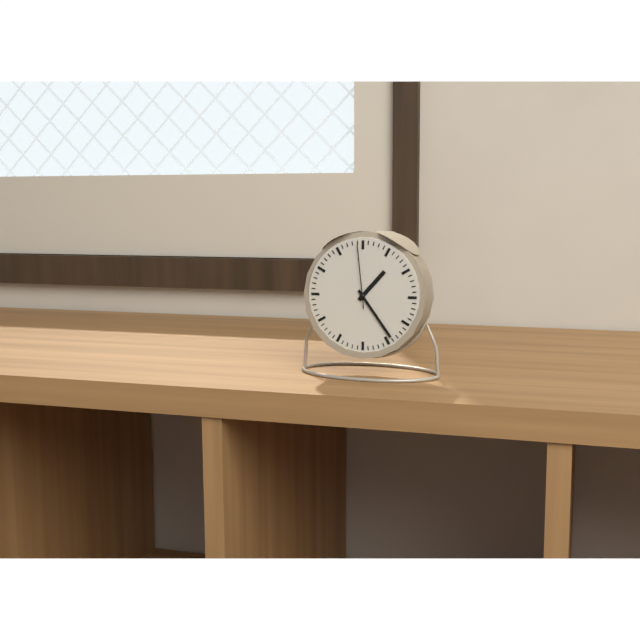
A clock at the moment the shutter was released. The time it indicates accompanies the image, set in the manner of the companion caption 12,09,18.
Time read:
1,24,59
